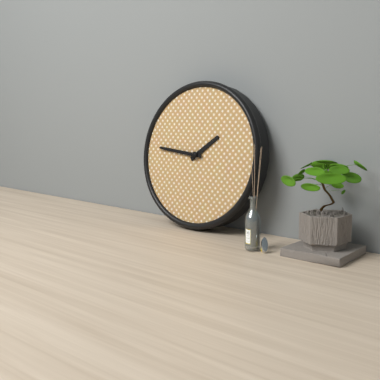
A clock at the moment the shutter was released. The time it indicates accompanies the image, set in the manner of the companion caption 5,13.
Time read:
1,46
